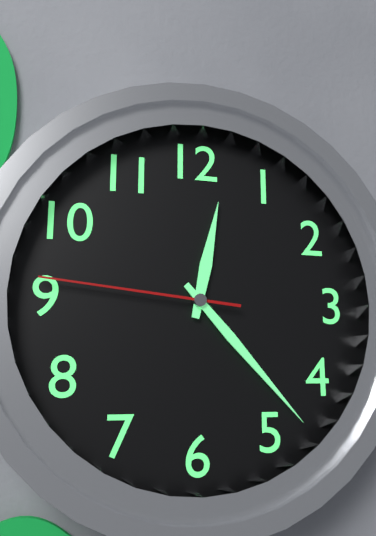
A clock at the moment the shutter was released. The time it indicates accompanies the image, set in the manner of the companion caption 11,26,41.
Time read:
12,23,46
